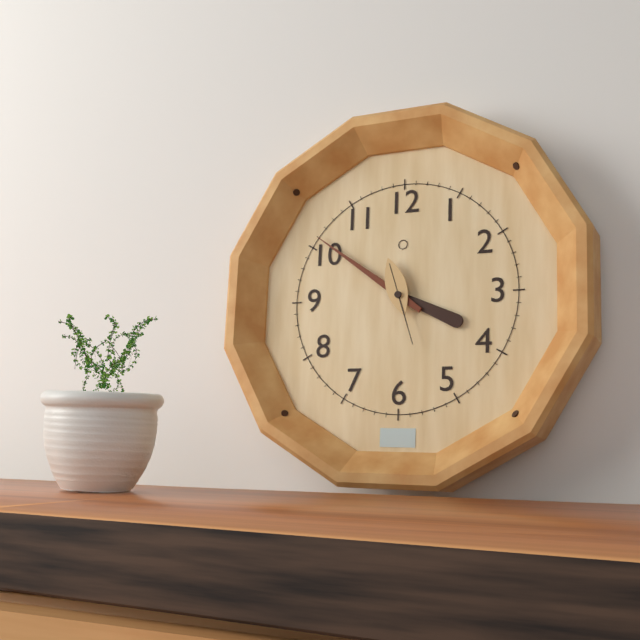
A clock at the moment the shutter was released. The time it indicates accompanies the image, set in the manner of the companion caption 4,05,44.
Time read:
3,51,27
